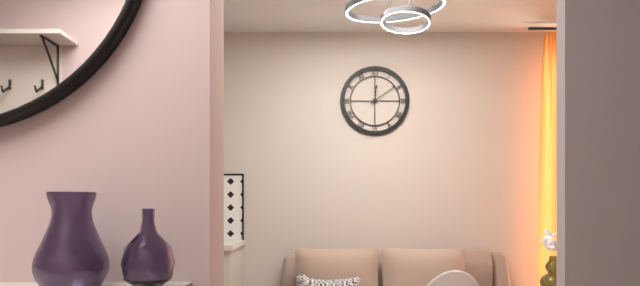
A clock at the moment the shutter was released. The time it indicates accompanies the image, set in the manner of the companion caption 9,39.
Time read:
12,09
